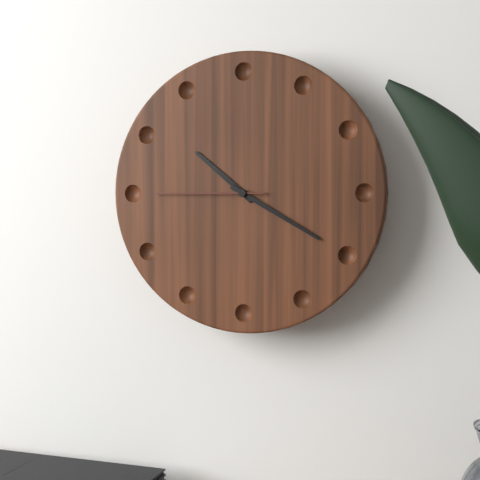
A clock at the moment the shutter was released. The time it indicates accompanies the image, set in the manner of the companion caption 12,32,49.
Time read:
10,20,45
